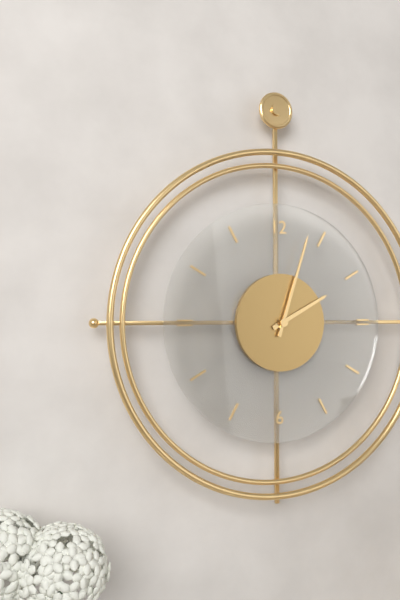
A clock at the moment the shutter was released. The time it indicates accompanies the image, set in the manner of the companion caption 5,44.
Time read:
2,03
